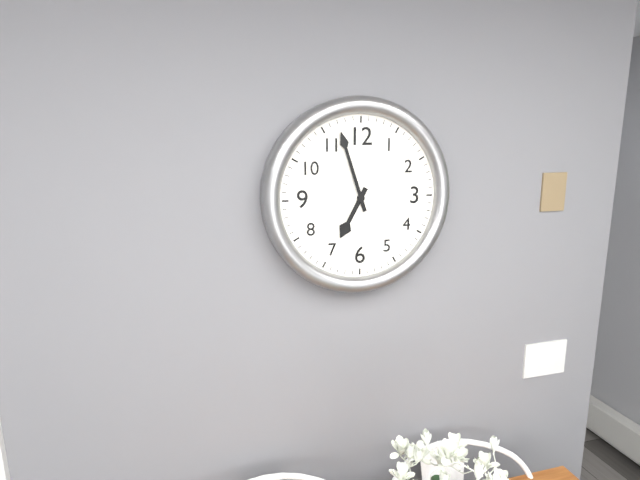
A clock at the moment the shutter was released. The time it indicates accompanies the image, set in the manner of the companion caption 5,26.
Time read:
6,57
